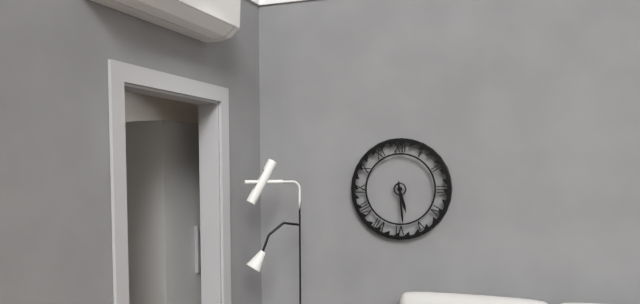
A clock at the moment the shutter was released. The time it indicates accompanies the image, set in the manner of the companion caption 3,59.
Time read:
5,29
